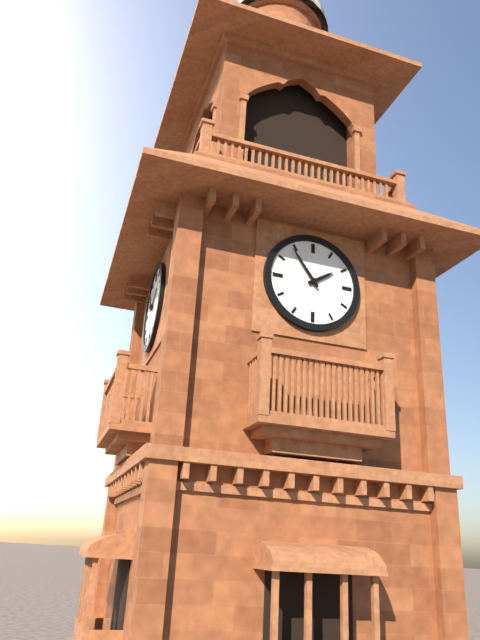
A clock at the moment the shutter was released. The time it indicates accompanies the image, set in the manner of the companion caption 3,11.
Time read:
1,54
